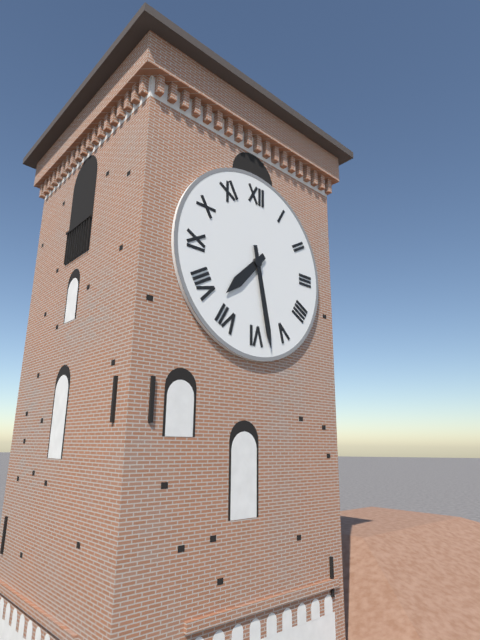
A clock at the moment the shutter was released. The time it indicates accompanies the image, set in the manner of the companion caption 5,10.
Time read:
7,28
